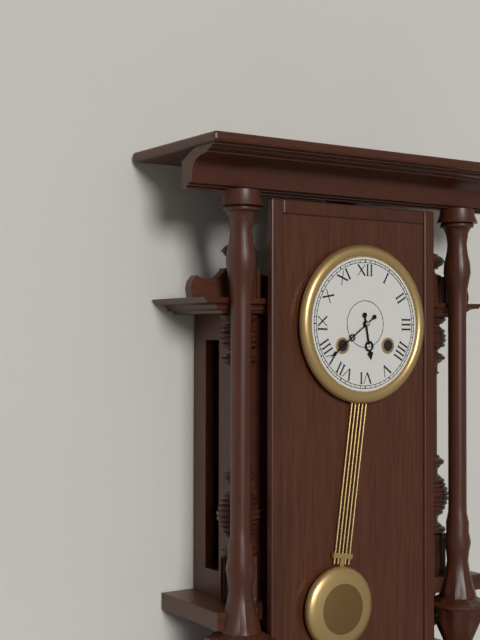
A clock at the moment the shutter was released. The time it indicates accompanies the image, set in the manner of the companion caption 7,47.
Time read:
5,39
